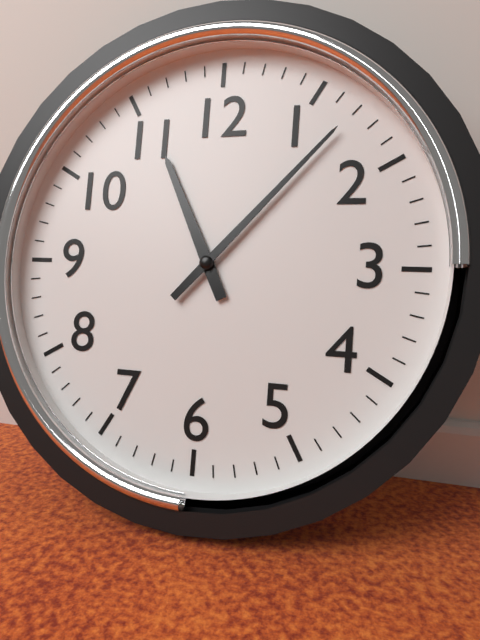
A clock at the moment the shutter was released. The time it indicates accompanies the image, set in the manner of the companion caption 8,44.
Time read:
11,07
